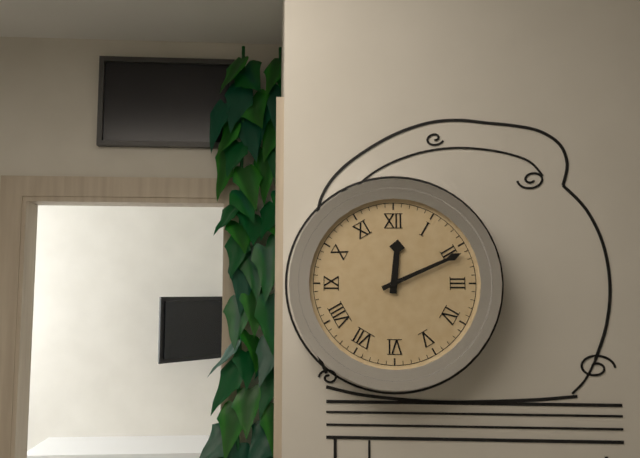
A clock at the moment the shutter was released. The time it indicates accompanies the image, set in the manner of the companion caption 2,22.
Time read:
12,11
